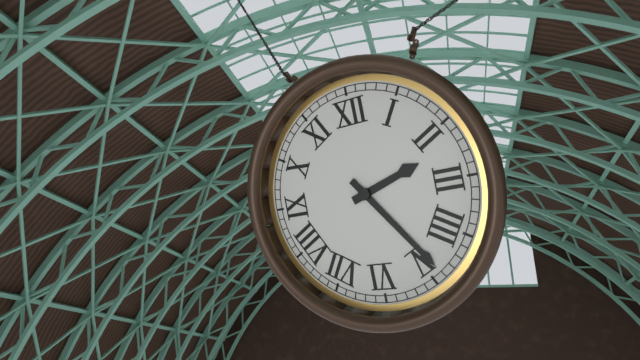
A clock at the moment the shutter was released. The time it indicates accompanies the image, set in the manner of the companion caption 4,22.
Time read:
2,24
